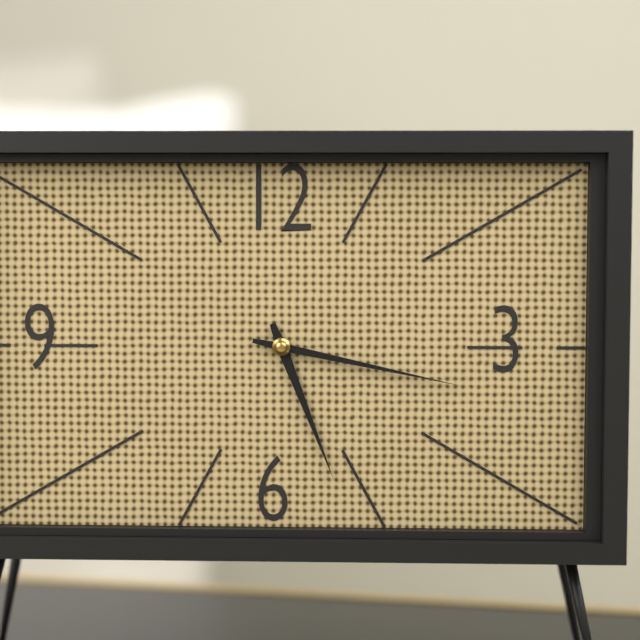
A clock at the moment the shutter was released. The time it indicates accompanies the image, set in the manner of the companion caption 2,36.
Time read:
5,17
